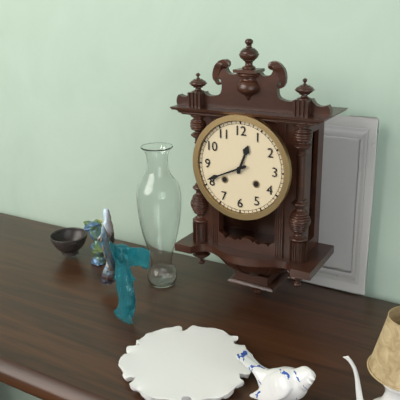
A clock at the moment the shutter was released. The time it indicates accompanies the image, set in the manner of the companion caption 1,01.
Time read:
12,41
